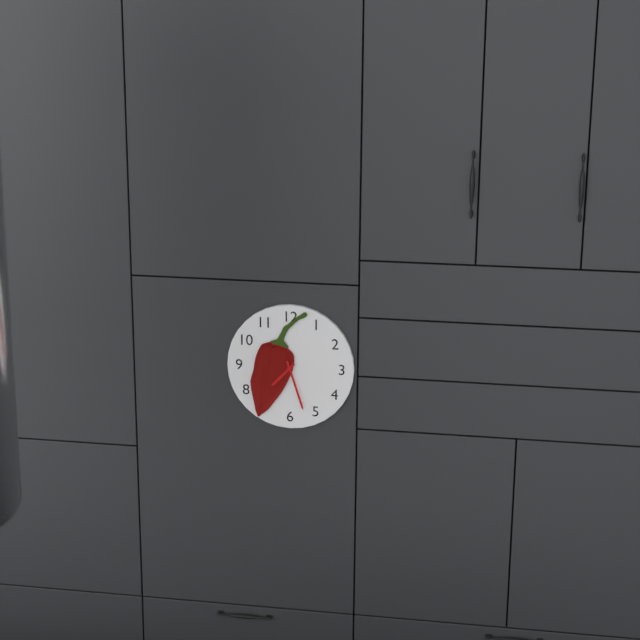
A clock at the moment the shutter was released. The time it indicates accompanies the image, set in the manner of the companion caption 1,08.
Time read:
7,27
